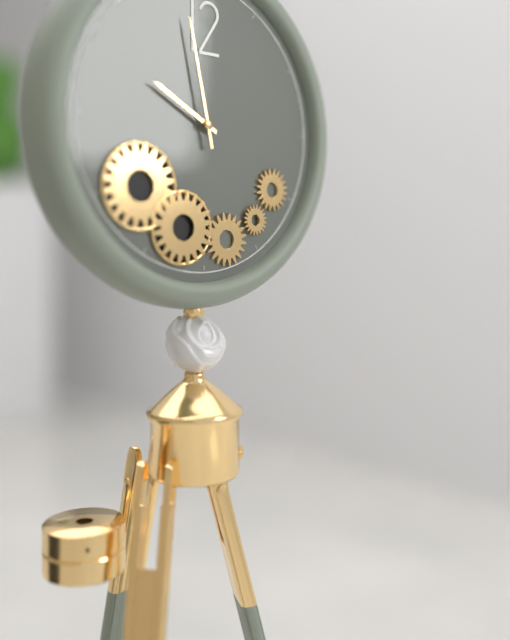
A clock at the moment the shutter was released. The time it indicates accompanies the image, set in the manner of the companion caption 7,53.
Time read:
9,58
